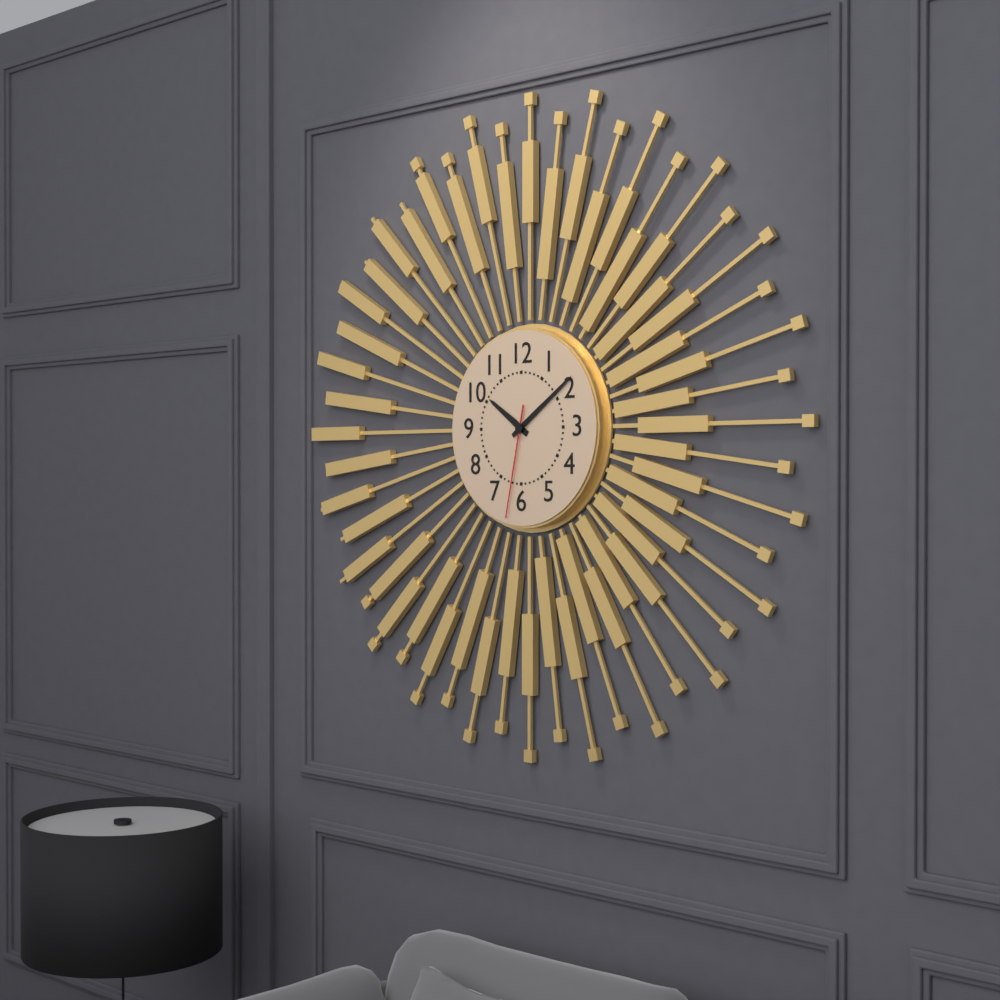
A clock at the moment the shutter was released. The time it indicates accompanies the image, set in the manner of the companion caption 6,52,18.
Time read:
10,09,32
